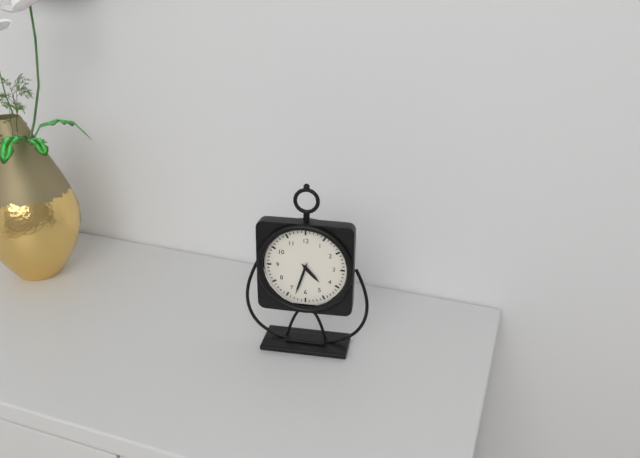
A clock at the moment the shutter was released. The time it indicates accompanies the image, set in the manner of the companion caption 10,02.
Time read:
4,33
